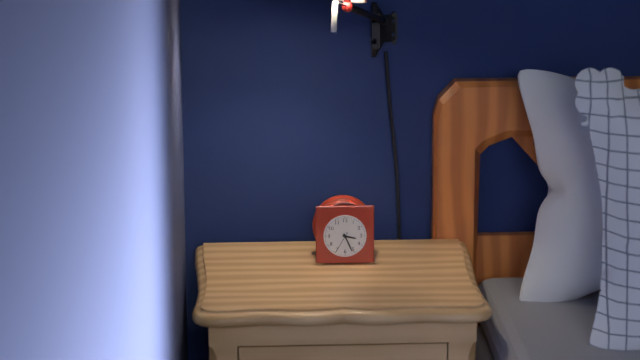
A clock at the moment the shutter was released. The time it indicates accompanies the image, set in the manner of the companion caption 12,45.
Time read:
3,26
